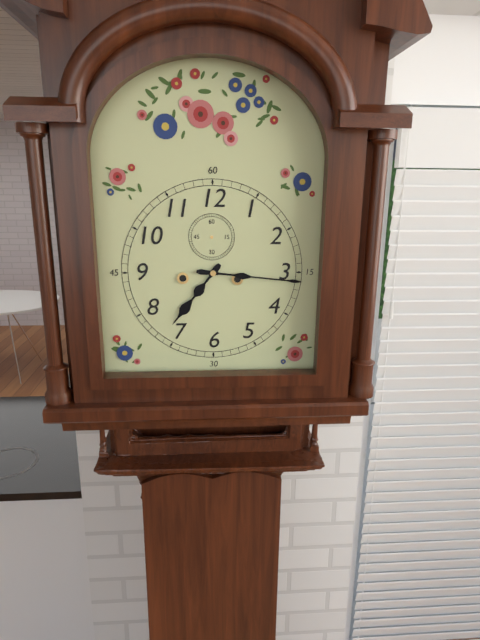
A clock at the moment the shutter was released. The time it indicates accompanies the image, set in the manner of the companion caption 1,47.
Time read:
7,16
